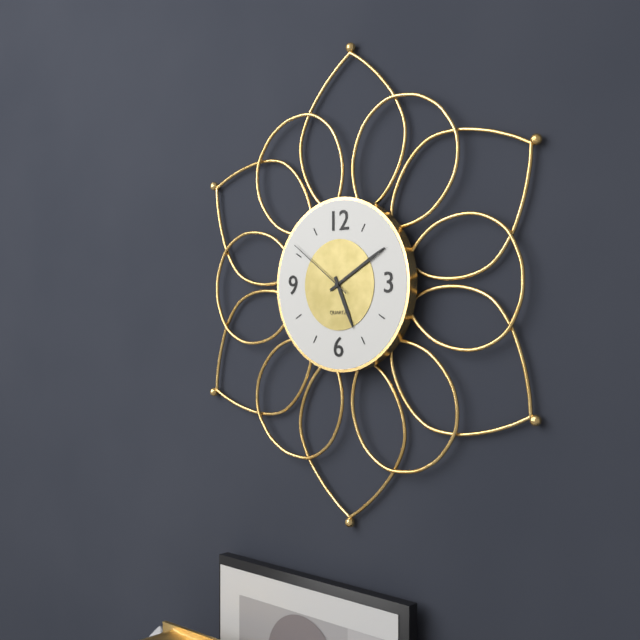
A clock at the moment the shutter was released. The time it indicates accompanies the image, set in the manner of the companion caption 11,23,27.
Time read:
5,10,51
